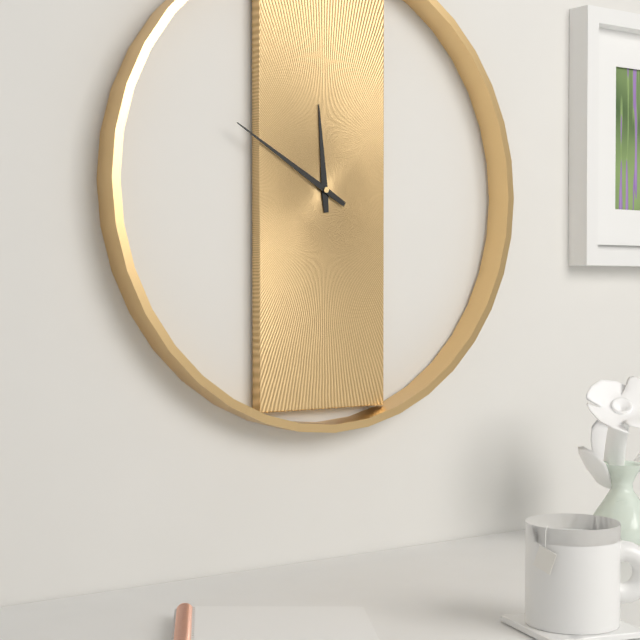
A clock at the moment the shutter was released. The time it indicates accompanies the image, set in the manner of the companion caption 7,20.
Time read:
11,50
